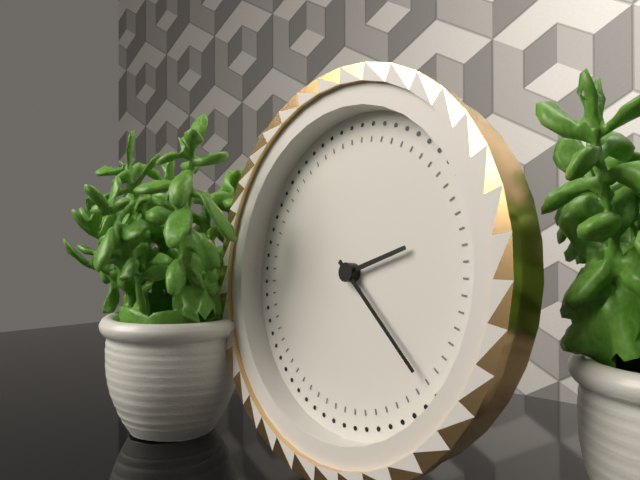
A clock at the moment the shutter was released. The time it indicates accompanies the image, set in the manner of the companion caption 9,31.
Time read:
2,22
